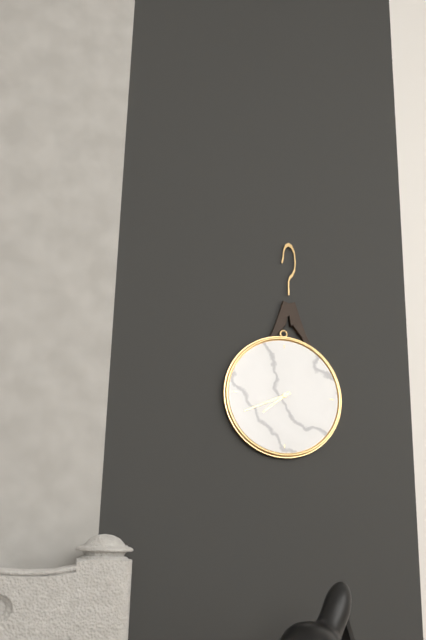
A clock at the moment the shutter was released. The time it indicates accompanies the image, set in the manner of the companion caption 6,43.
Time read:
7,41
